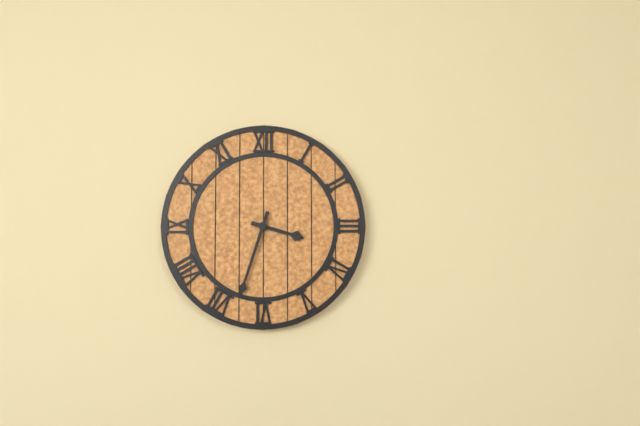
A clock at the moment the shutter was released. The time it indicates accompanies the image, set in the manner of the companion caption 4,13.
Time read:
3,33
